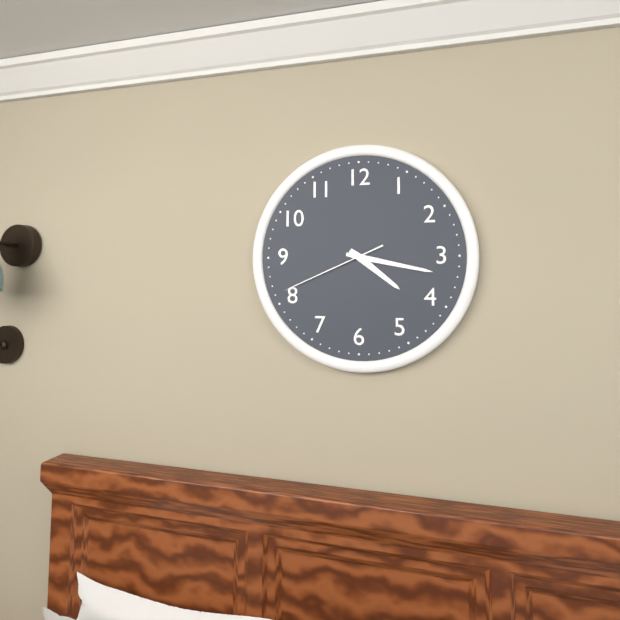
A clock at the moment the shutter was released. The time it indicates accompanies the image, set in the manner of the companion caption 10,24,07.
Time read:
4,17,41
